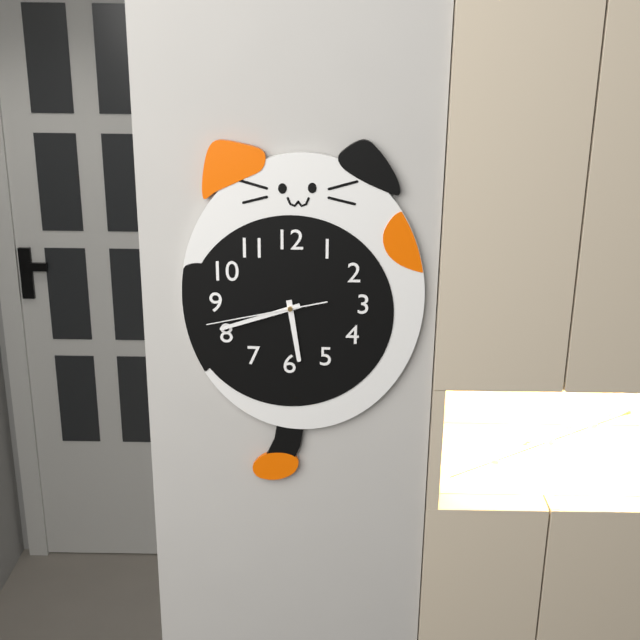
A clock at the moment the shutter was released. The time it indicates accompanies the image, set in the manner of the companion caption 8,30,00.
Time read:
5,42,43
